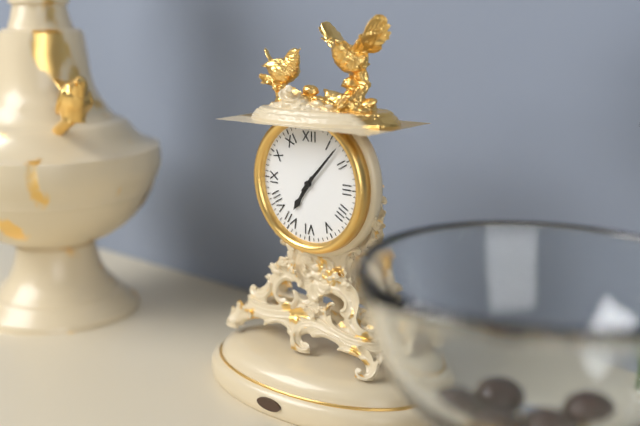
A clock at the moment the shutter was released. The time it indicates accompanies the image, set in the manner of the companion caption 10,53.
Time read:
7,07
